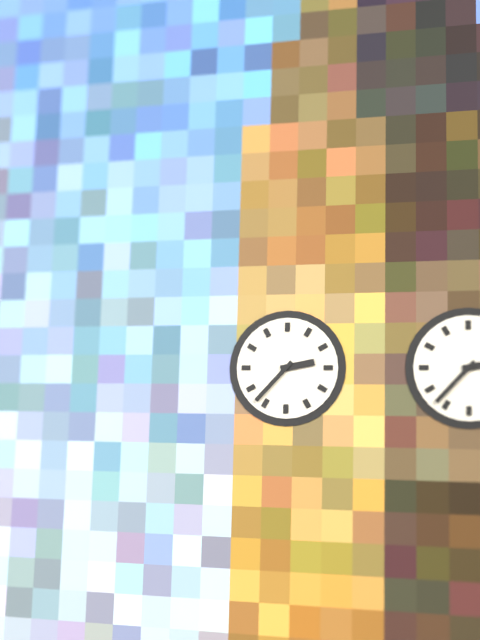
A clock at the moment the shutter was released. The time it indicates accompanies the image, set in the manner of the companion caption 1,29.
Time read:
2,37
